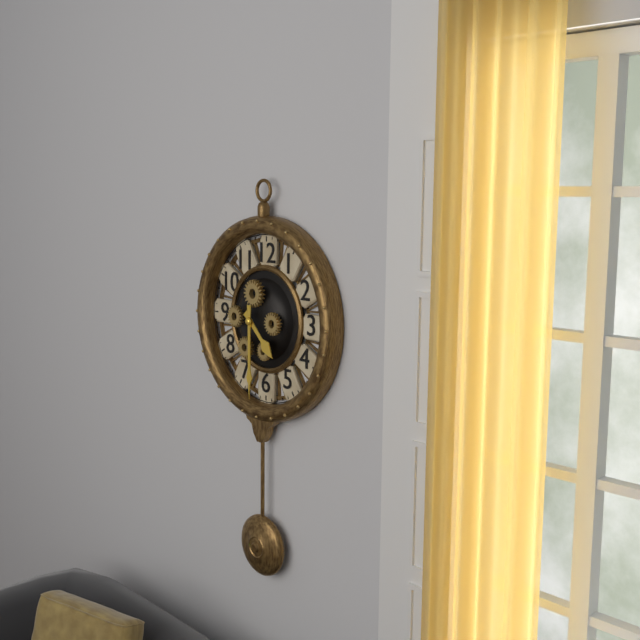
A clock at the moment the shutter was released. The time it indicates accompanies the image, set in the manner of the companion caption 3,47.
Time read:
4,30
